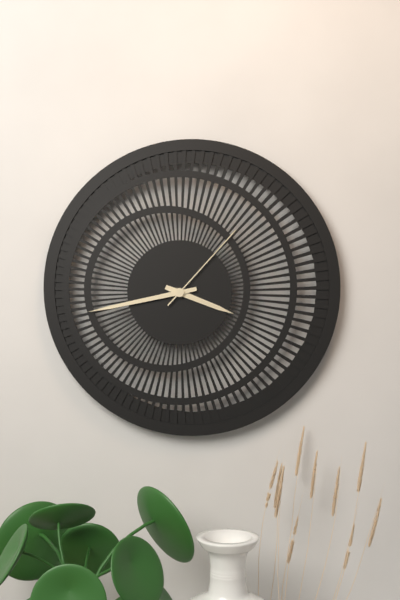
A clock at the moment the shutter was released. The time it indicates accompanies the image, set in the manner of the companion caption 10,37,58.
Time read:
3,43,07
